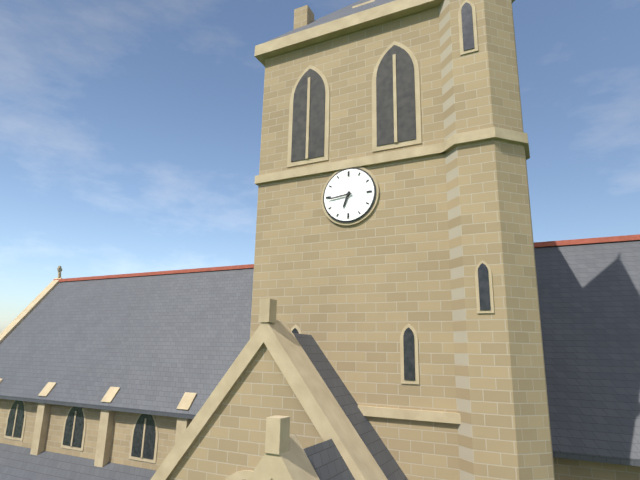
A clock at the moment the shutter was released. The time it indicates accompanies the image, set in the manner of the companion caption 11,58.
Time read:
6,44
